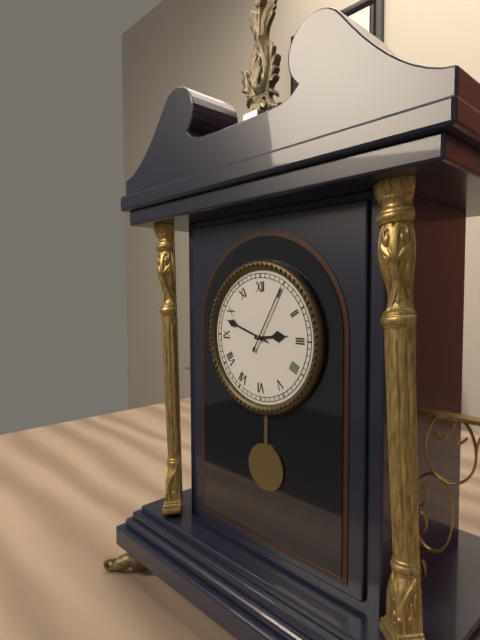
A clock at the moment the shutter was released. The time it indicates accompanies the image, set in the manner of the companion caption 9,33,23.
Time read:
2,48,05
